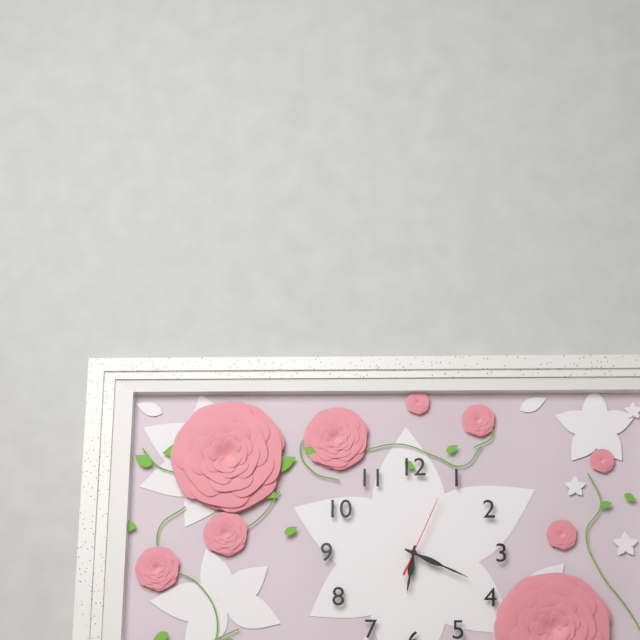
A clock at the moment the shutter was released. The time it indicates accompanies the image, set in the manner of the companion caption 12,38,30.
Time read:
6,19,04
